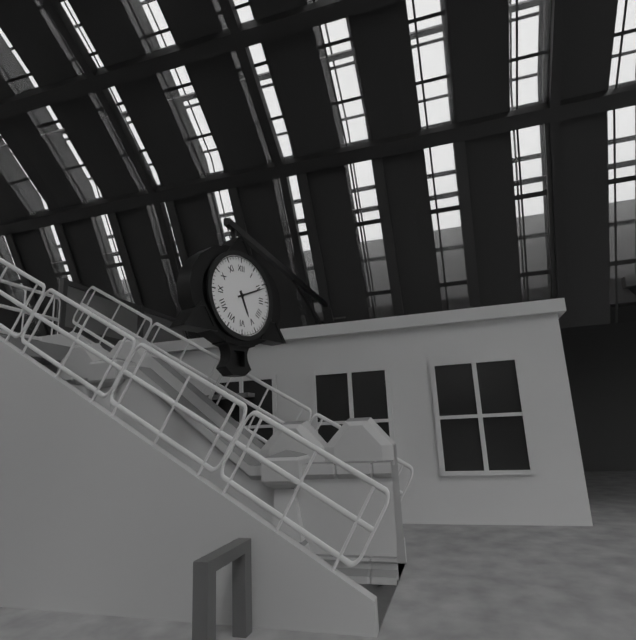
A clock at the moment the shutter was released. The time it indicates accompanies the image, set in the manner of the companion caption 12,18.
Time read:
5,11
